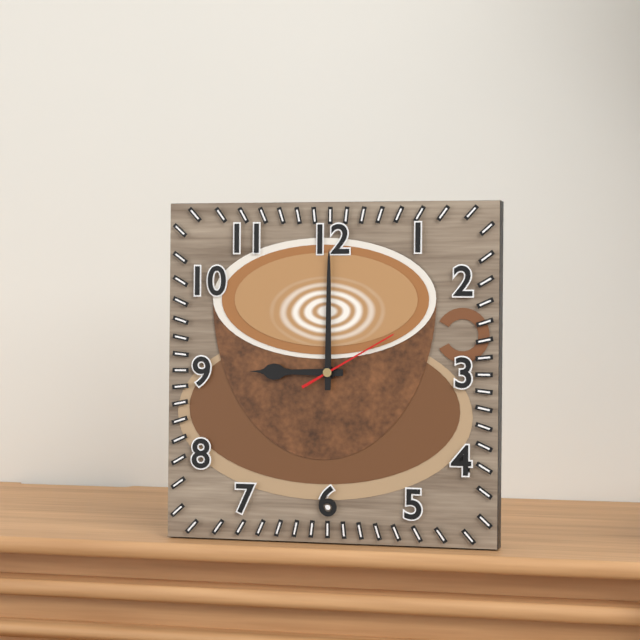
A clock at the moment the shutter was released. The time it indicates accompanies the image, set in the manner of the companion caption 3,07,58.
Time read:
9,00,10
